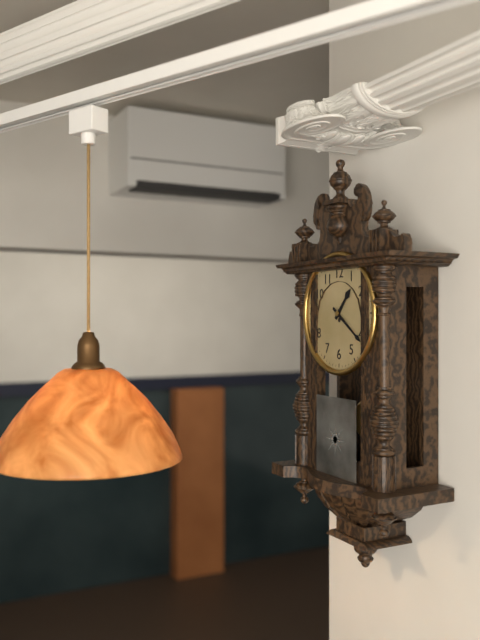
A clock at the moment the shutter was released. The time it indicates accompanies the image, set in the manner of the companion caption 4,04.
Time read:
1,21
